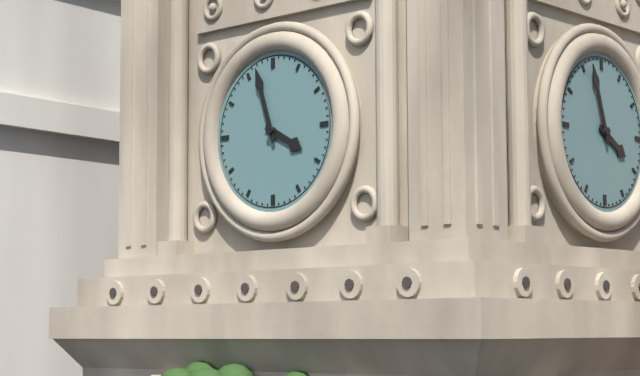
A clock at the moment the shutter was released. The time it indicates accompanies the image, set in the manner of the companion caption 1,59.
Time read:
3,57
